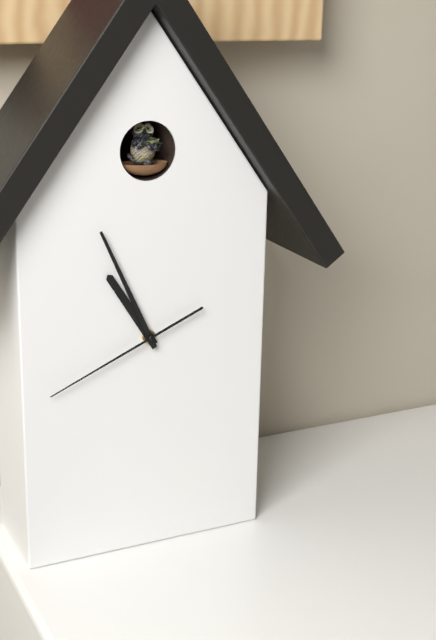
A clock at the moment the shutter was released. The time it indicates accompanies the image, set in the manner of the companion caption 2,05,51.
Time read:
10,56,41
